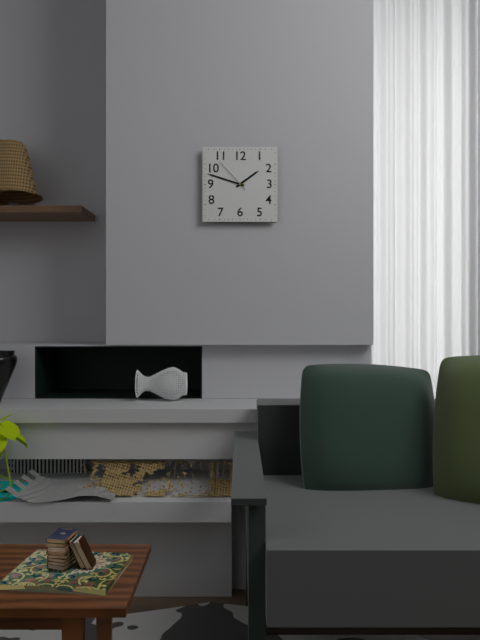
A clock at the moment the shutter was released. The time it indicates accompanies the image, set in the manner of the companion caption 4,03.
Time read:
1,48
